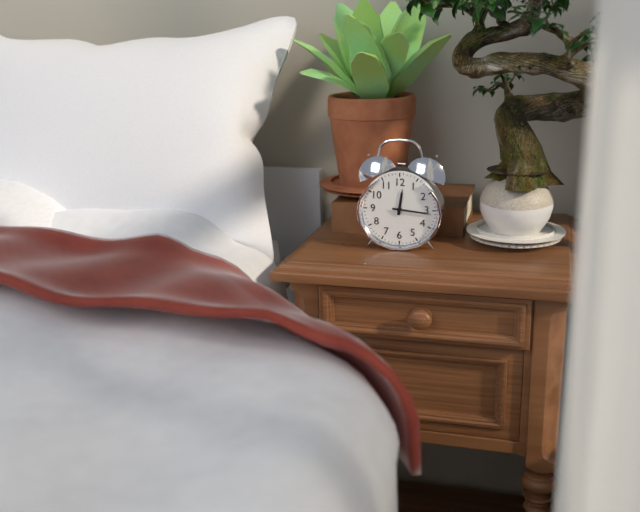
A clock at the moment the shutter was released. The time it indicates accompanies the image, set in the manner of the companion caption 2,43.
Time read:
12,16
